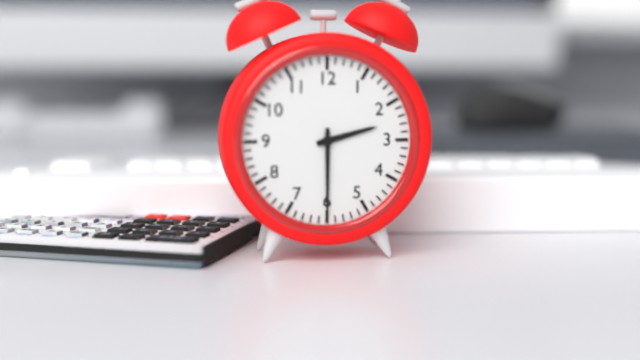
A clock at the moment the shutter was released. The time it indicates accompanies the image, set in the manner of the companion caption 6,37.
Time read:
2,30
